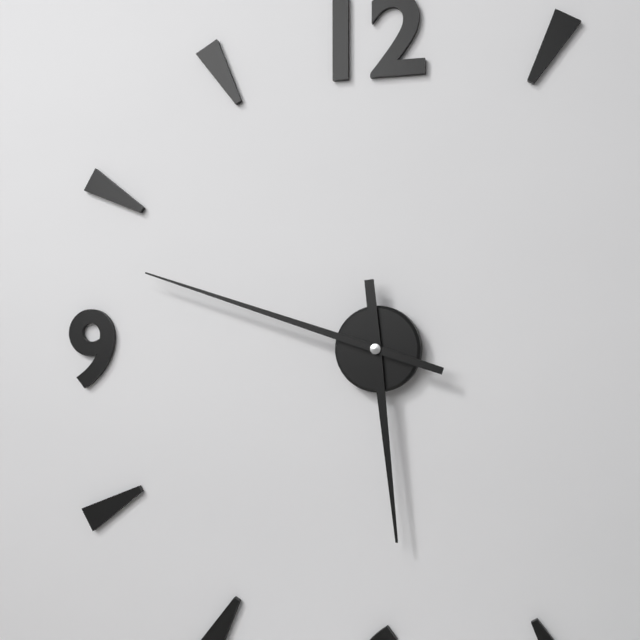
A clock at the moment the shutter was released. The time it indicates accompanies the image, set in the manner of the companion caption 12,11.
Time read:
5,48
